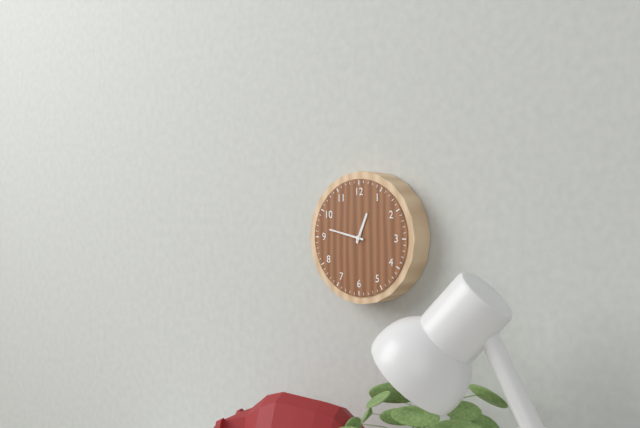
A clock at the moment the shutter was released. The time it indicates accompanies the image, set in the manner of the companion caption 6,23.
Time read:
12,47
